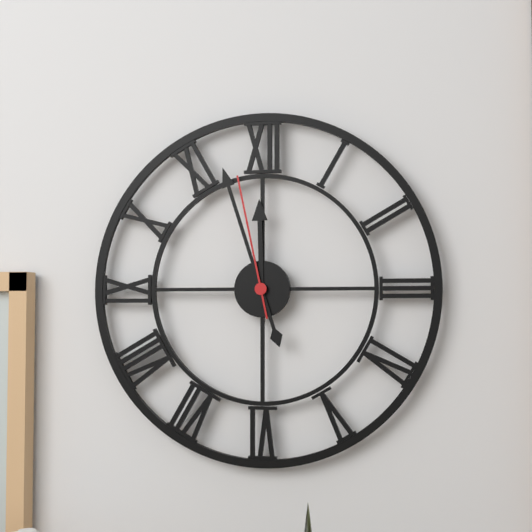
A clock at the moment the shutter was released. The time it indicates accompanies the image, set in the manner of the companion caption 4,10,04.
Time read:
11,57,58
